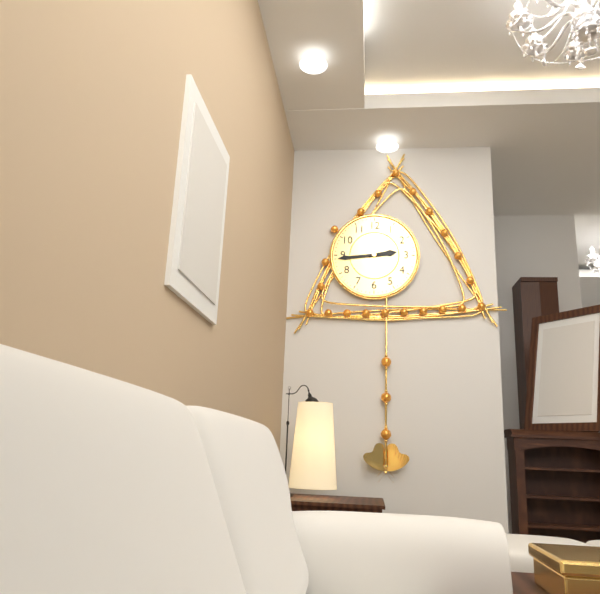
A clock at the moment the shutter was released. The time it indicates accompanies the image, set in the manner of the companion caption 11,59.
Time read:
2,44
